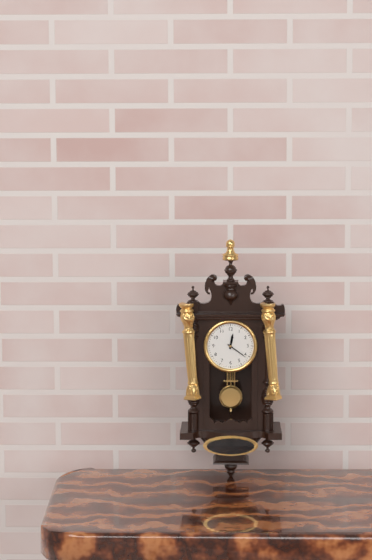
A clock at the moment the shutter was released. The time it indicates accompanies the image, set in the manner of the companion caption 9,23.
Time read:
12,21
